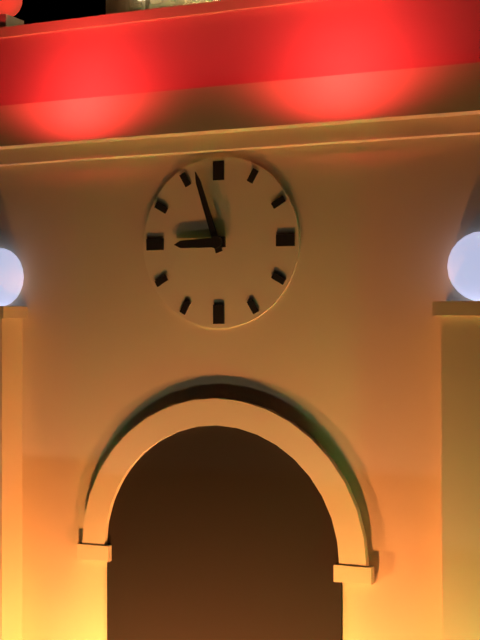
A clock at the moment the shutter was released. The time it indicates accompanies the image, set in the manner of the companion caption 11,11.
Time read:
8,57
